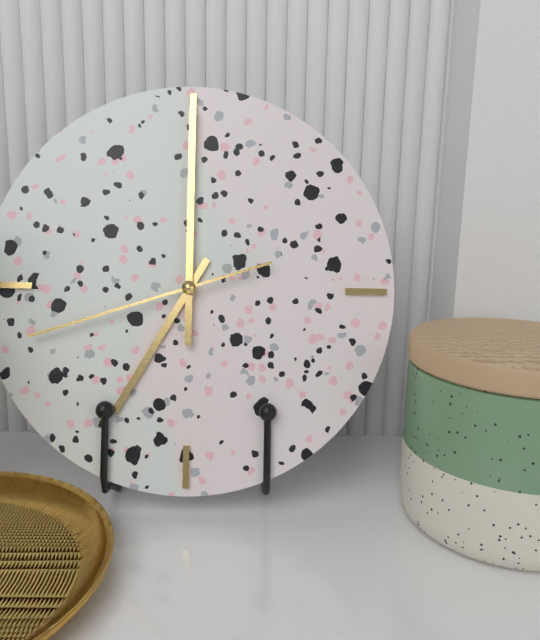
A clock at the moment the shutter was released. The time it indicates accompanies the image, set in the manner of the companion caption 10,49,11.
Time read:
7,00,42
